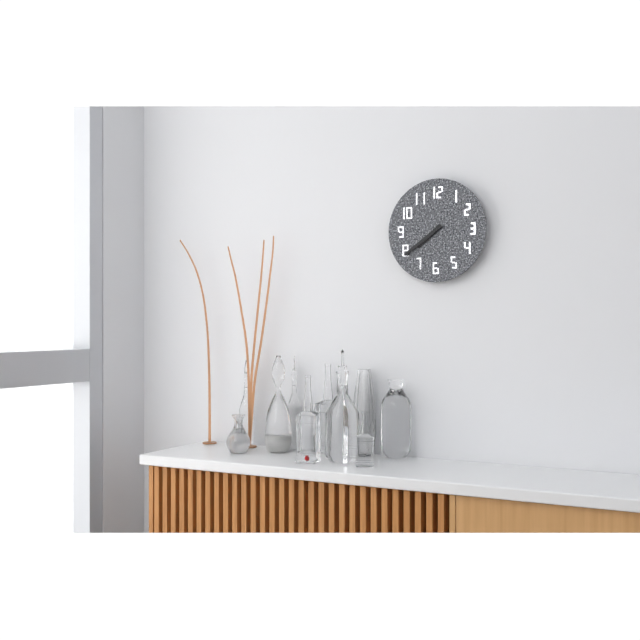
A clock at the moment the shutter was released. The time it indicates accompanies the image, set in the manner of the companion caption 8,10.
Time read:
7,39
